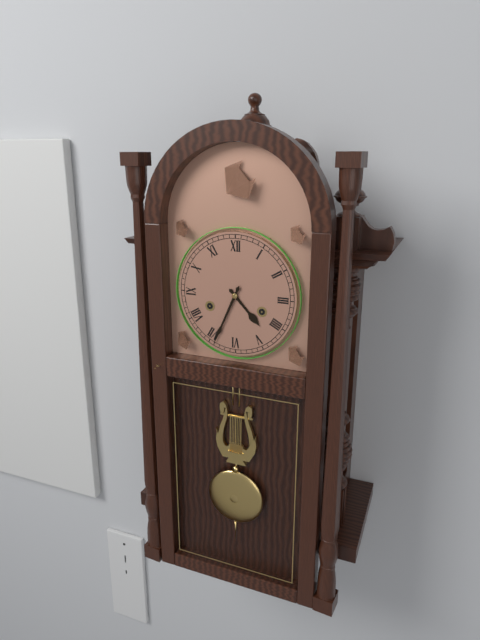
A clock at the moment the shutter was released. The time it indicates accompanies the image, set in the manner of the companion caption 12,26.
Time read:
4,34
